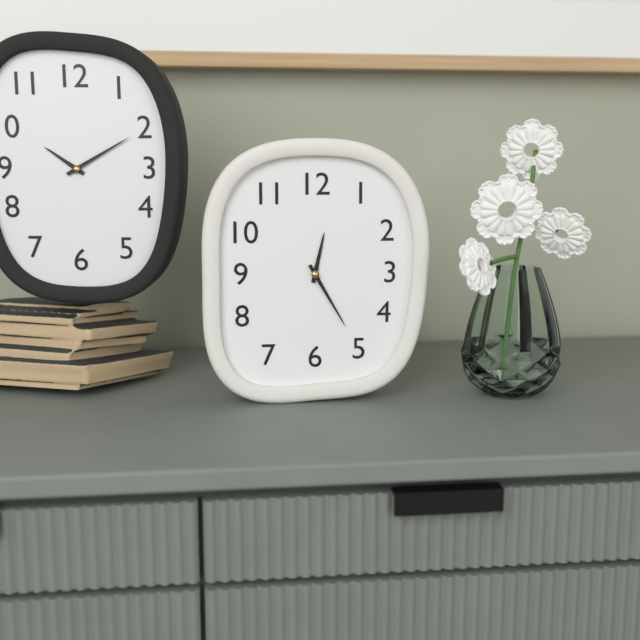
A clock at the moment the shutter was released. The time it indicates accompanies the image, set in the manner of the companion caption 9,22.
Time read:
12,25
